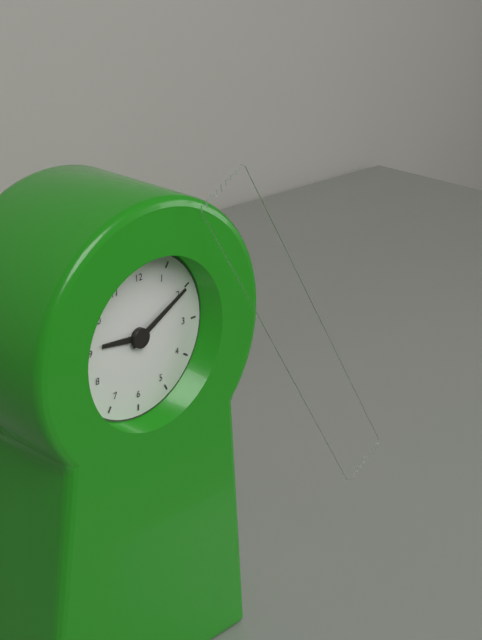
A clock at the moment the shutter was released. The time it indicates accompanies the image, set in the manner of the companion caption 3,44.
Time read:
9,10
